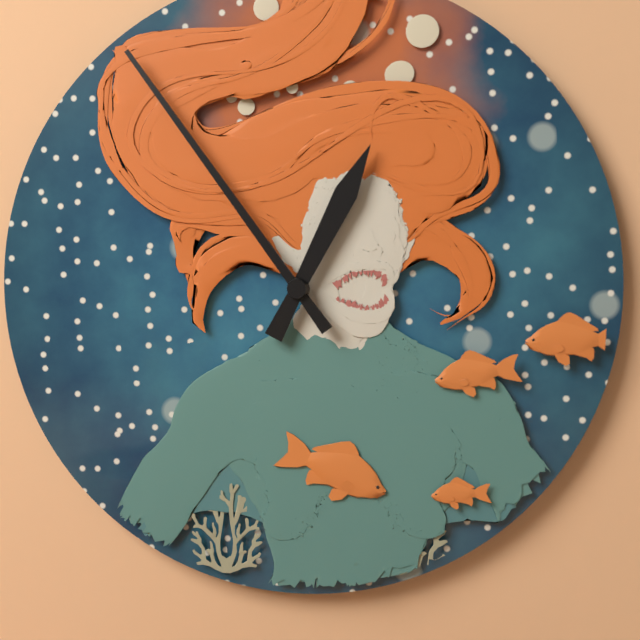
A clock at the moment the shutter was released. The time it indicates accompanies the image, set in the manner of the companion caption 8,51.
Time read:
12,54
